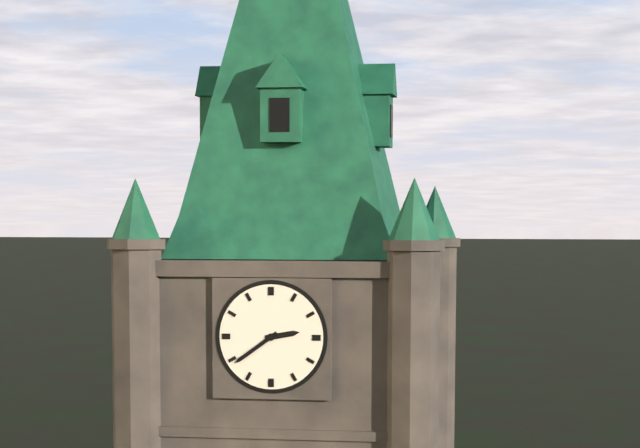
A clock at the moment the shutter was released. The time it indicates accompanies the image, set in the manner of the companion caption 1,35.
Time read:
2,39
